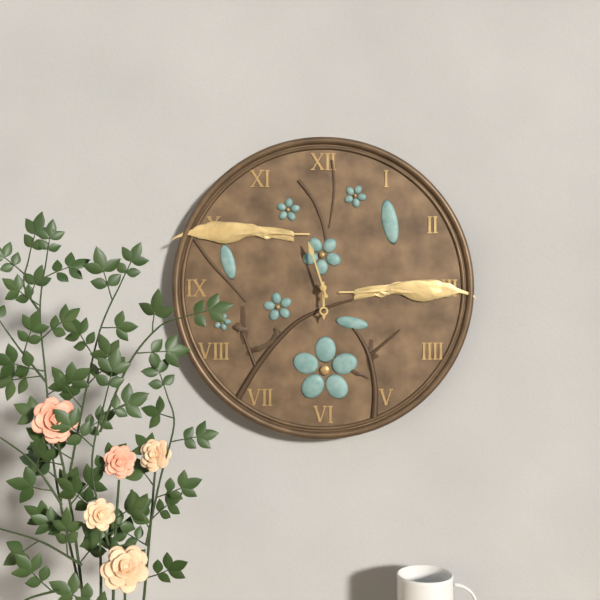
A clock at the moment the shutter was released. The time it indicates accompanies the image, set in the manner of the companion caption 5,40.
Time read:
5,57
